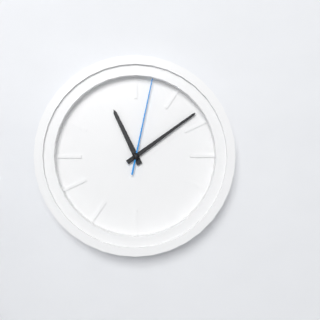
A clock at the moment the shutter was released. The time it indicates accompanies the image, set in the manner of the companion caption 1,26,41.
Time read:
11,09,02
